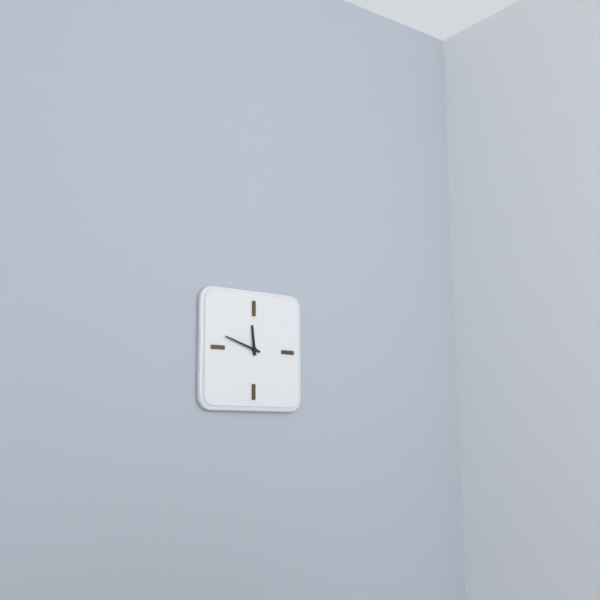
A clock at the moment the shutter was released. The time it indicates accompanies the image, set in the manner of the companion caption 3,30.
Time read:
11,48
